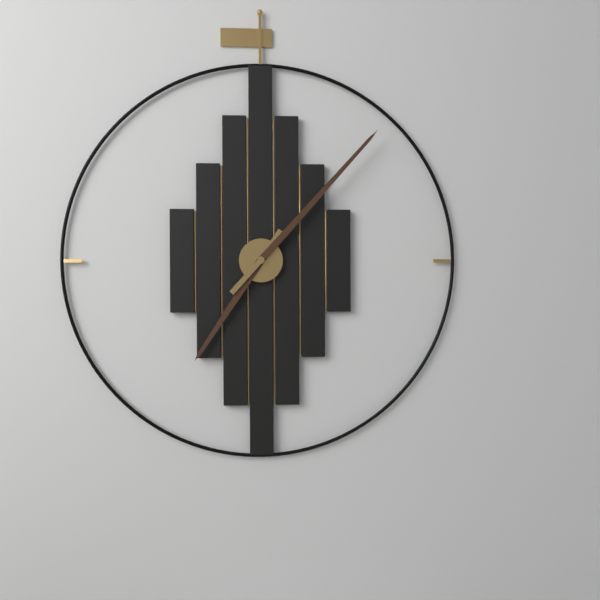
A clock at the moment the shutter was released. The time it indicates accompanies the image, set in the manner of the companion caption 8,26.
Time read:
7,07
